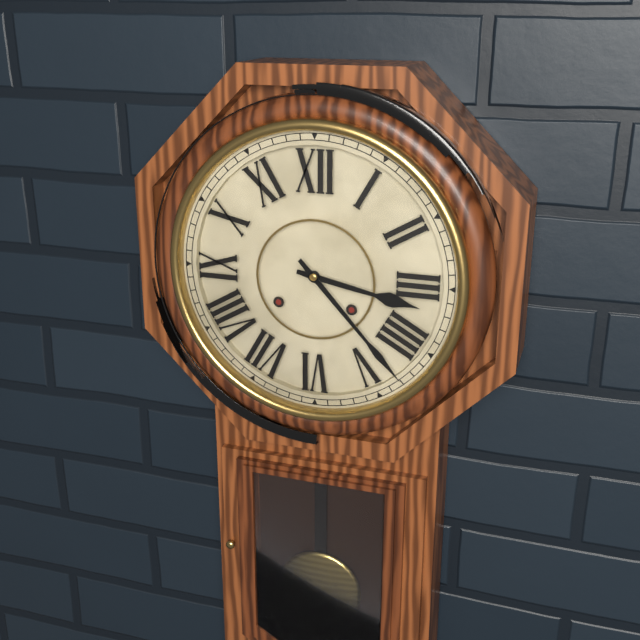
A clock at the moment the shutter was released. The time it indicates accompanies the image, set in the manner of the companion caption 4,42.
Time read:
3,23
